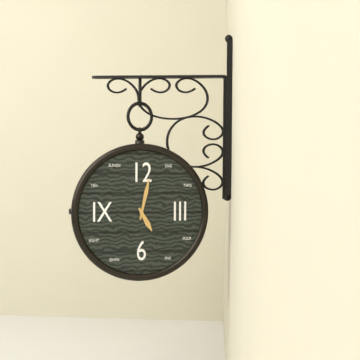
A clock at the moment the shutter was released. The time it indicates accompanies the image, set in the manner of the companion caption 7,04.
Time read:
5,02
